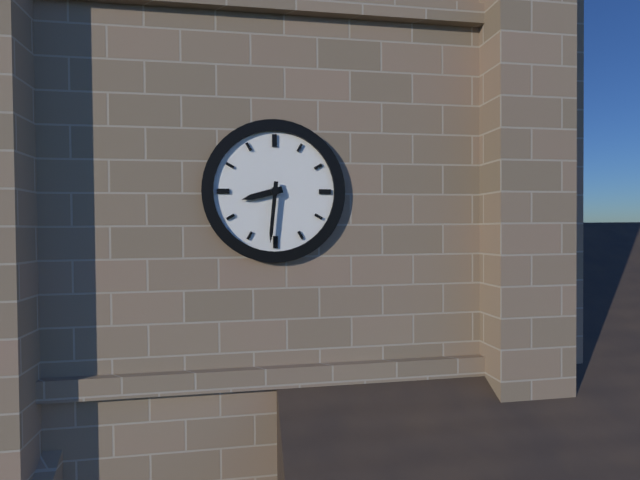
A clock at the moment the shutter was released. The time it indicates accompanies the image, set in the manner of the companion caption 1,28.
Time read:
8,31
